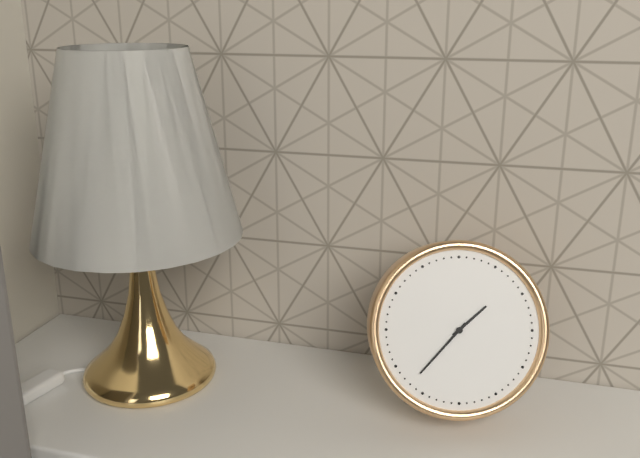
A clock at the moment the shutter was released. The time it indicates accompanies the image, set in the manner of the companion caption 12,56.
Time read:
1,37
